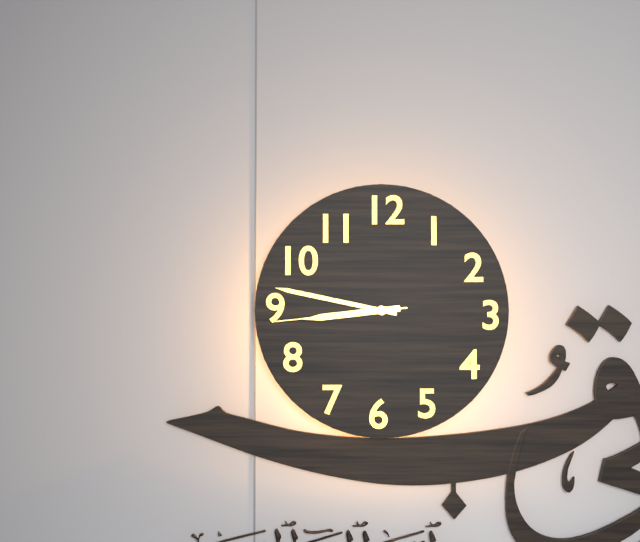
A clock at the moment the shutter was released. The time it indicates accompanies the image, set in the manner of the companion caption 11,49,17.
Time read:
8,47,44
